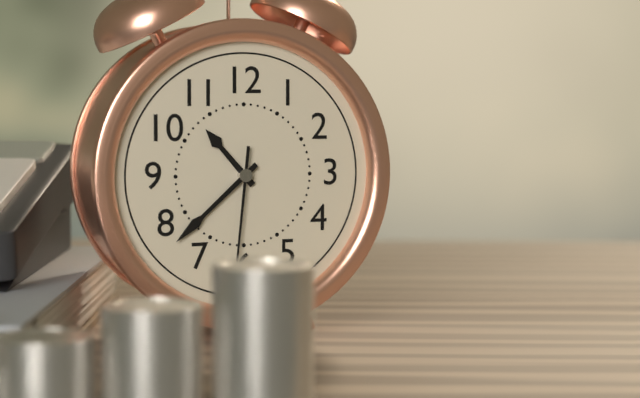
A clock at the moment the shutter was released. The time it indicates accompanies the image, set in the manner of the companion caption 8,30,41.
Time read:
10,38,31
